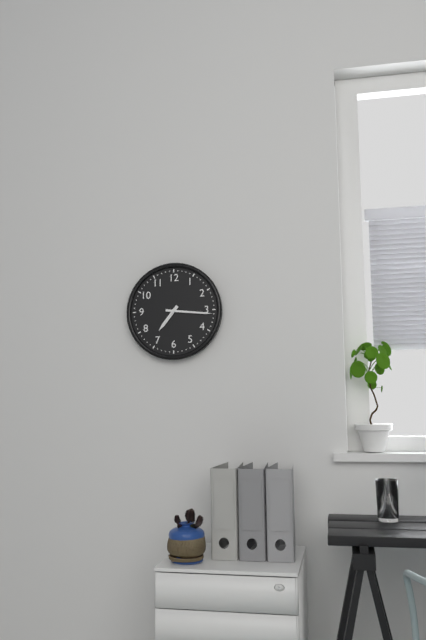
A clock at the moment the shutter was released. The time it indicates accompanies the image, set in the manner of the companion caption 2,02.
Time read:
7,16
